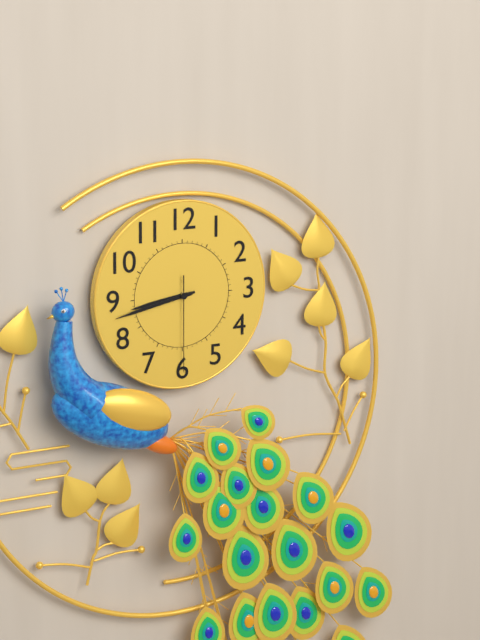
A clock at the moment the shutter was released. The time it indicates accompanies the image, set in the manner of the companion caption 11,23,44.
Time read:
8,43,30
